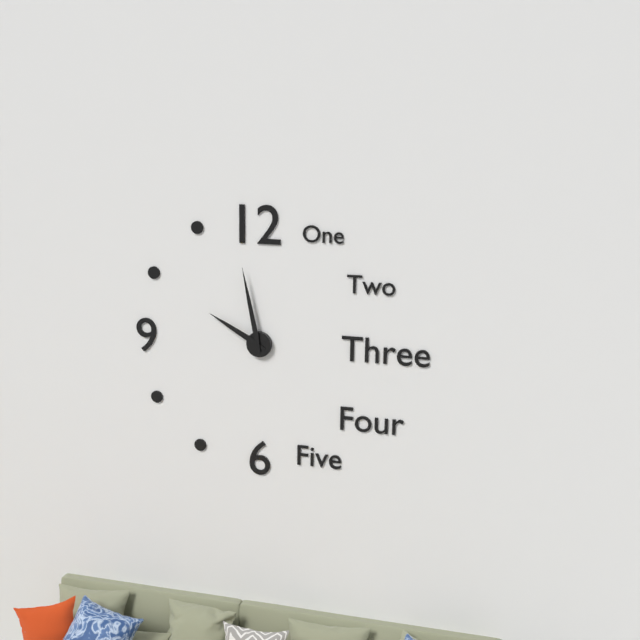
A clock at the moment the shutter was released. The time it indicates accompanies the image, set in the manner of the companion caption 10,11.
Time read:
9,58
